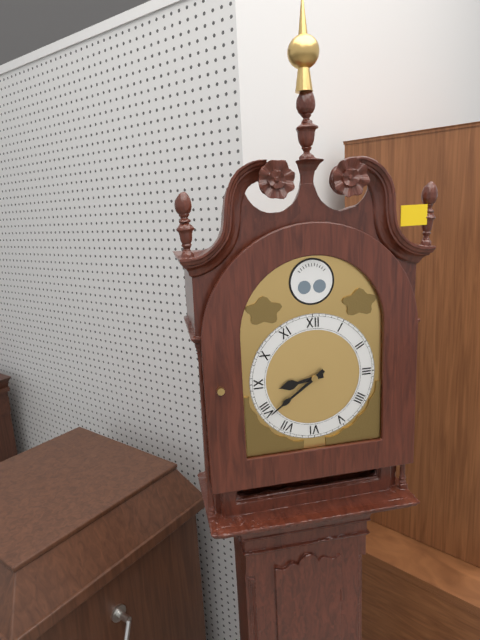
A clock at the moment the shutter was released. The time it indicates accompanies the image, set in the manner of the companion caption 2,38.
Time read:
8,39
